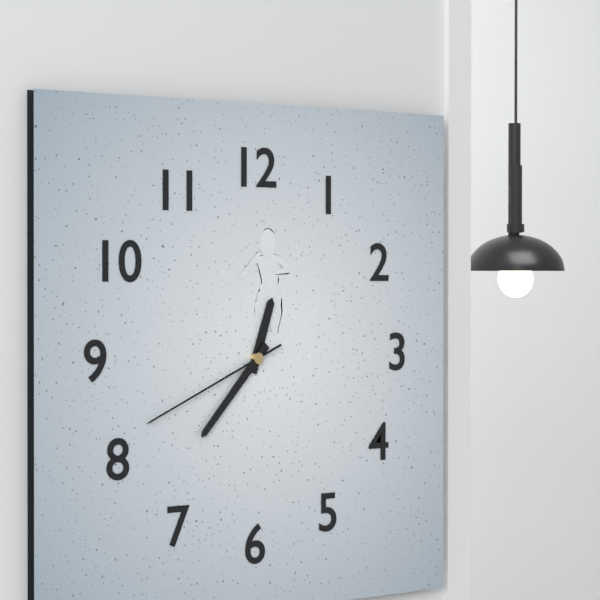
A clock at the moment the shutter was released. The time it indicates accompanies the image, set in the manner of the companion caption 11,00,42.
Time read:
12,37,41
